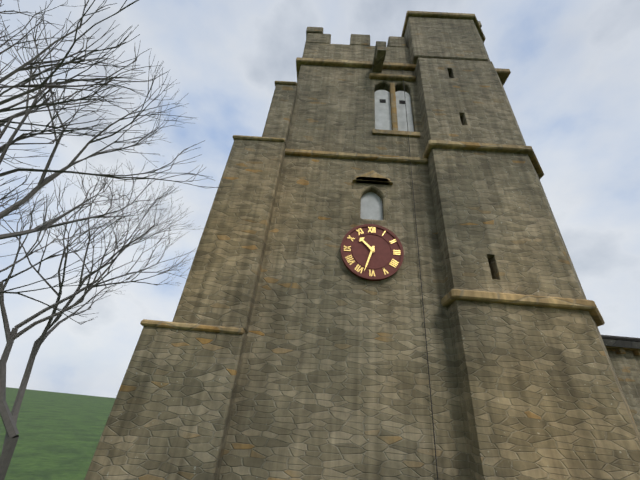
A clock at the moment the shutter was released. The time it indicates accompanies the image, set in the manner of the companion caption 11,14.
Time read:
10,33
